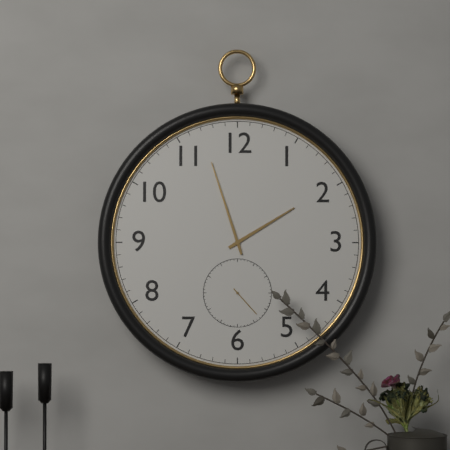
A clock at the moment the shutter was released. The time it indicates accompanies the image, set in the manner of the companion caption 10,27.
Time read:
1,57
